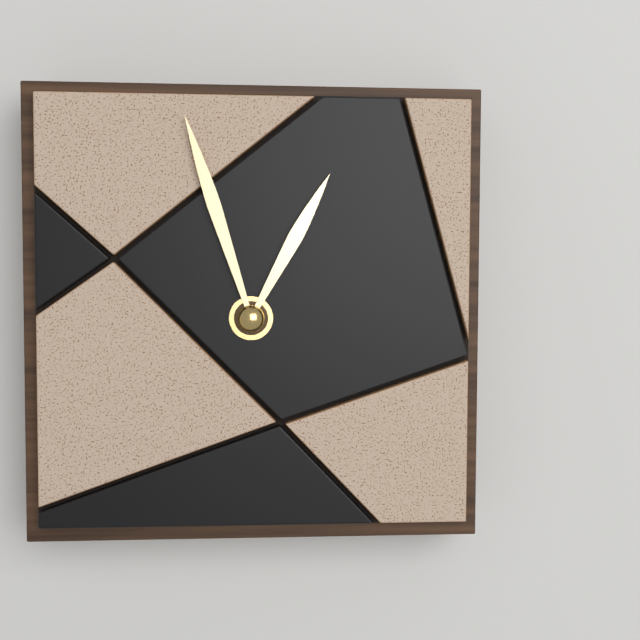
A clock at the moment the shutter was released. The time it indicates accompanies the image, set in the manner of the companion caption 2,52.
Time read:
12,57
